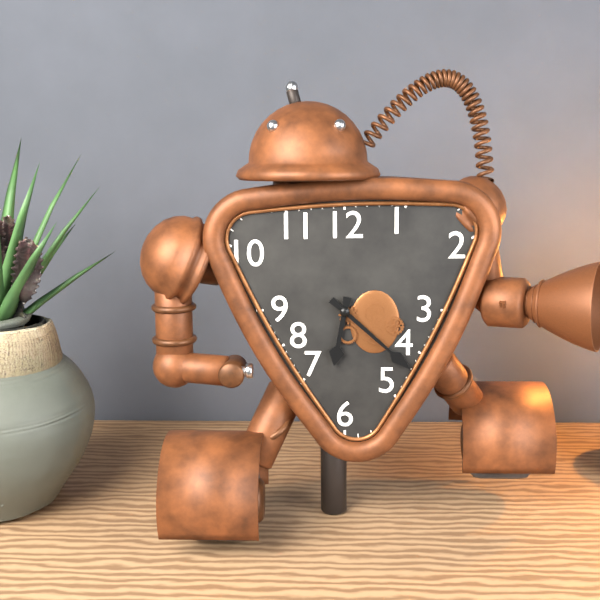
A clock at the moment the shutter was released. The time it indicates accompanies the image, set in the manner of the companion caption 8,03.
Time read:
6,22
